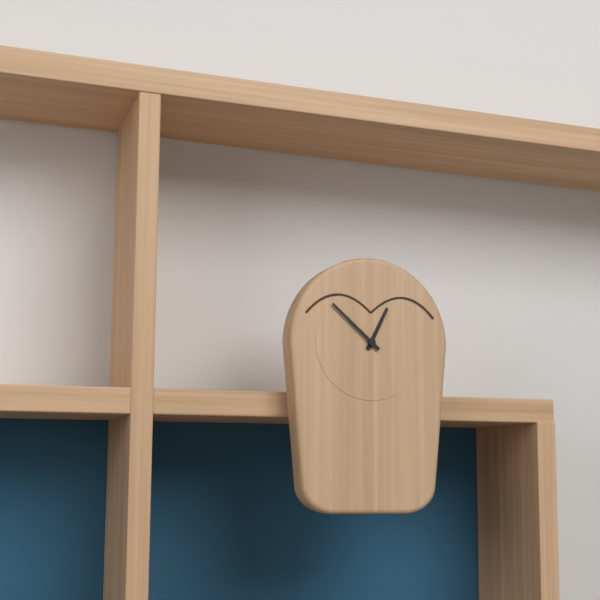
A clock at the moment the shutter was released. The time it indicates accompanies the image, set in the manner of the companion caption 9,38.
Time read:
12,52
